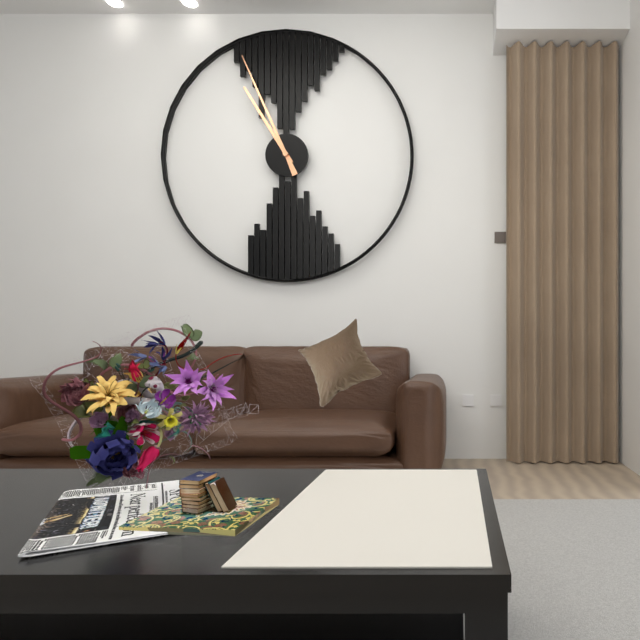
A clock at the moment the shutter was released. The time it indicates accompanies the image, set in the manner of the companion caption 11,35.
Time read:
10,56
